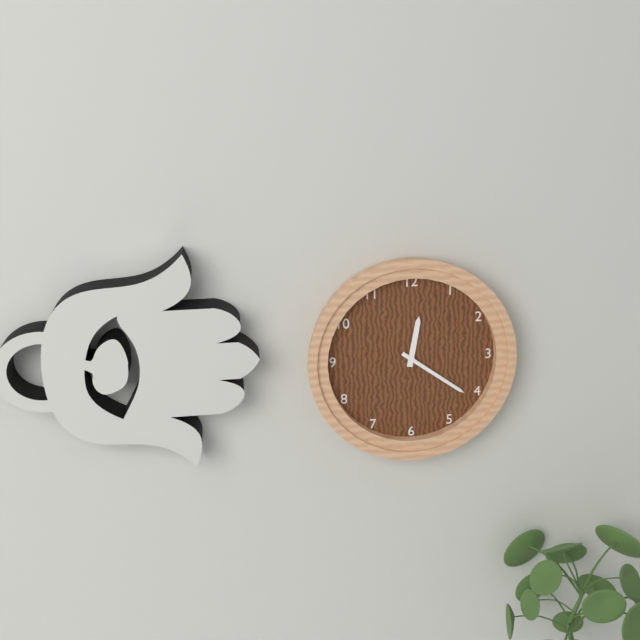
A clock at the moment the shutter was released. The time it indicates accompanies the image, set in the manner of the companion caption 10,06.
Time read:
12,21
